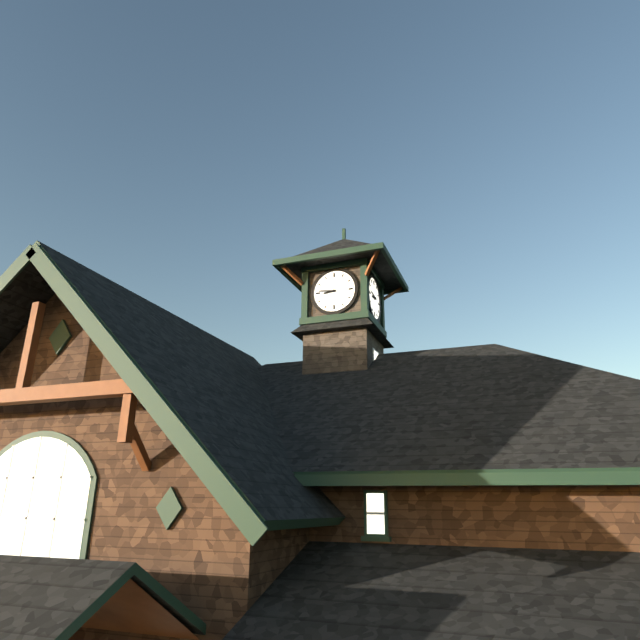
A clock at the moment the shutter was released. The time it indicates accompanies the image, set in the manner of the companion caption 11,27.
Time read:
8,46
